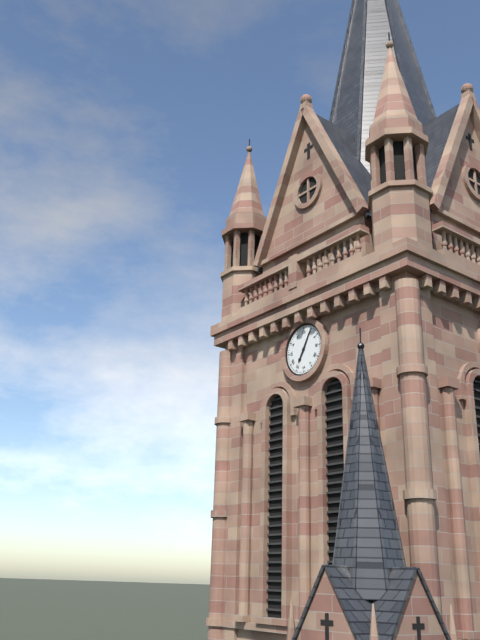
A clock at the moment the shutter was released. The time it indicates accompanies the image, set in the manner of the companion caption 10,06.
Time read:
7,05
